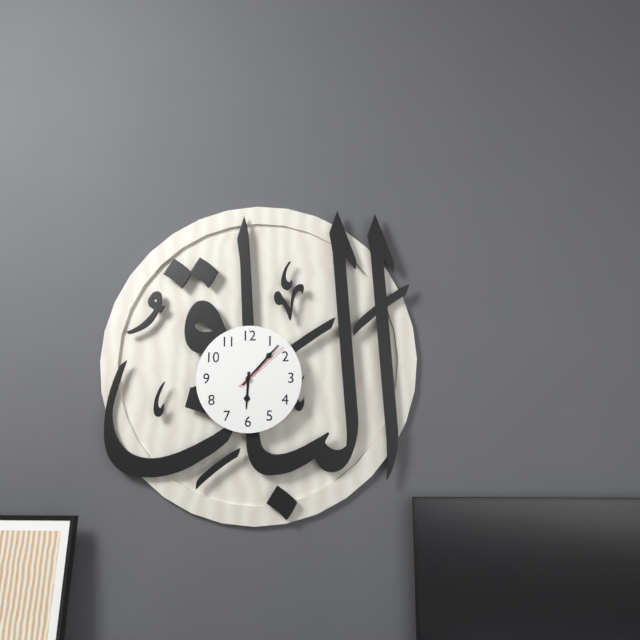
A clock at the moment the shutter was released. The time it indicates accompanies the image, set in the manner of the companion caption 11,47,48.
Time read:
6,07,08
